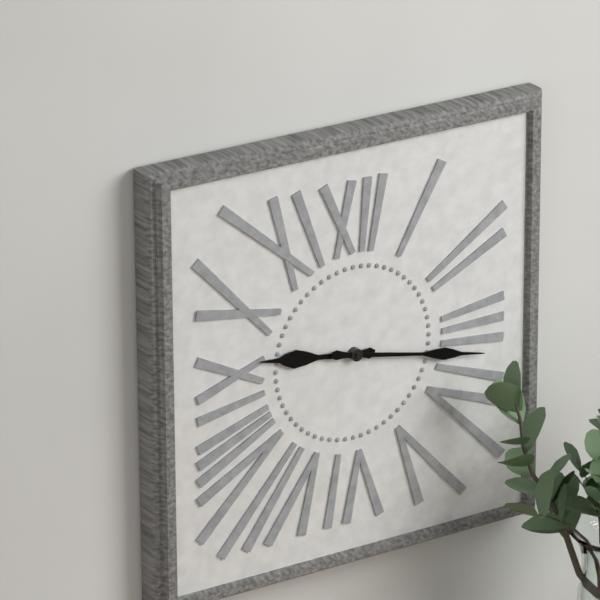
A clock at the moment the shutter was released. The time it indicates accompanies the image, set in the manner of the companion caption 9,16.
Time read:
9,17
